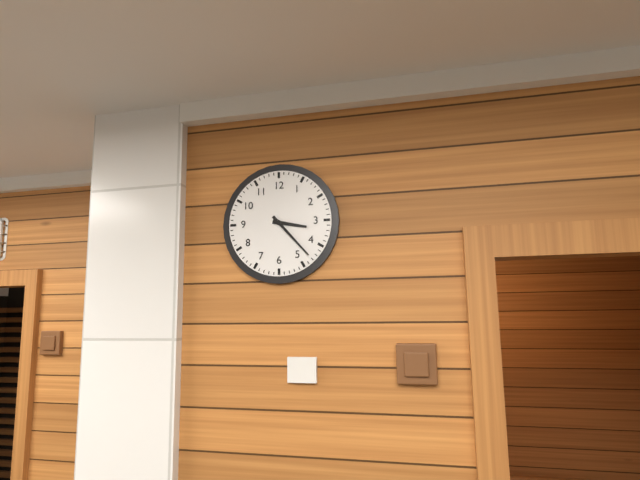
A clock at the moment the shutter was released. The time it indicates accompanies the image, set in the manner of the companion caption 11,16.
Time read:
3,23
